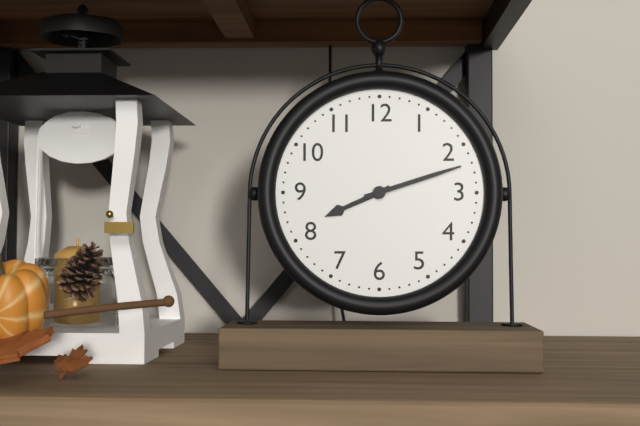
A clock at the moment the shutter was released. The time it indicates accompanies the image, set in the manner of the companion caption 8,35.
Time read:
8,12
